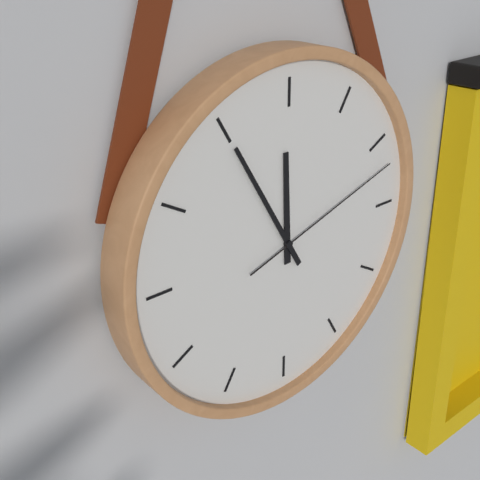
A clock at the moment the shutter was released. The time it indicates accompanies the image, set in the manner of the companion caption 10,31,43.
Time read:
11,55,12
